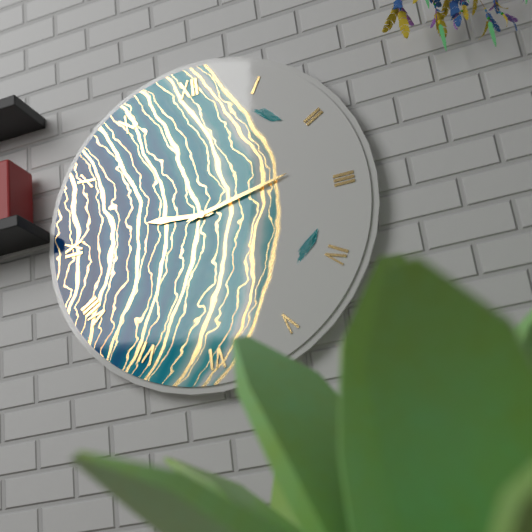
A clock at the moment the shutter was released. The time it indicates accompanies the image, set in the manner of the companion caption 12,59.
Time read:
9,13
